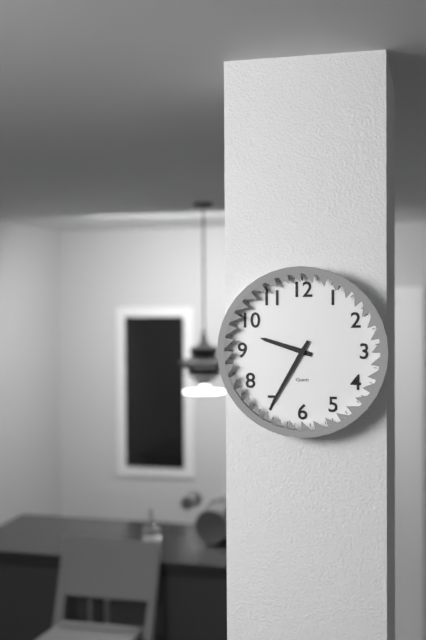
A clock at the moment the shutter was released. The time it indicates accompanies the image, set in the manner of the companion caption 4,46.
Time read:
9,35
